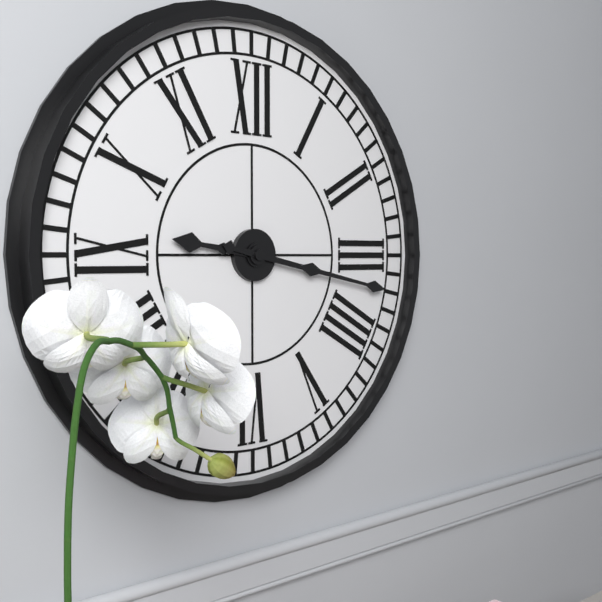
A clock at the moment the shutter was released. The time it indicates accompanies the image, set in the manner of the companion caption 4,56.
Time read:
9,17
